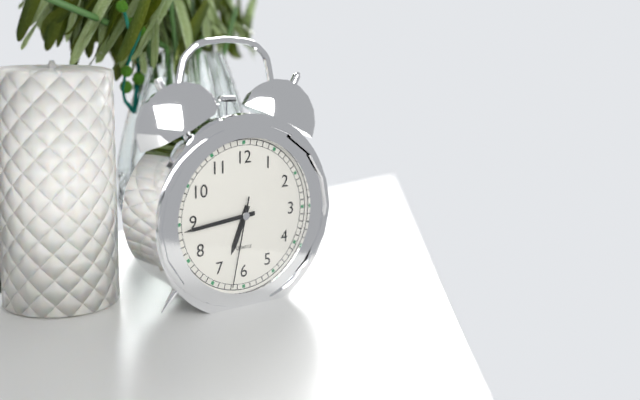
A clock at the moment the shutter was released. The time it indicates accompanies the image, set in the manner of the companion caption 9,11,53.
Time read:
6,44,32
